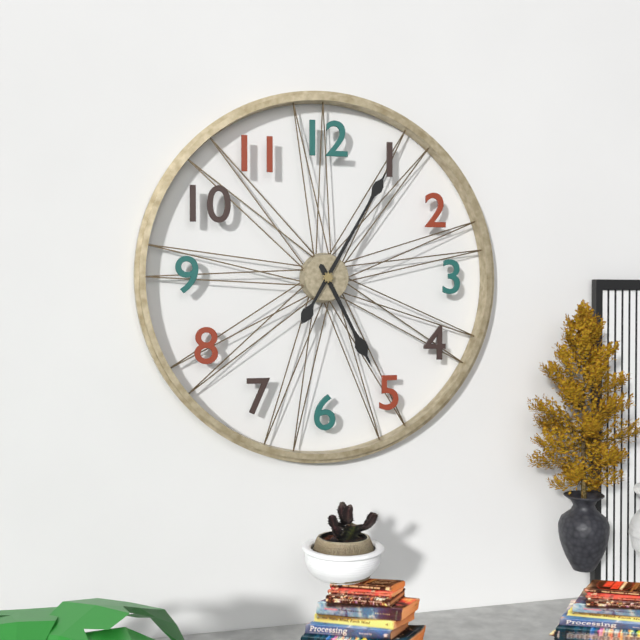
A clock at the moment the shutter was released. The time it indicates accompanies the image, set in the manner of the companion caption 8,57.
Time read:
5,05
